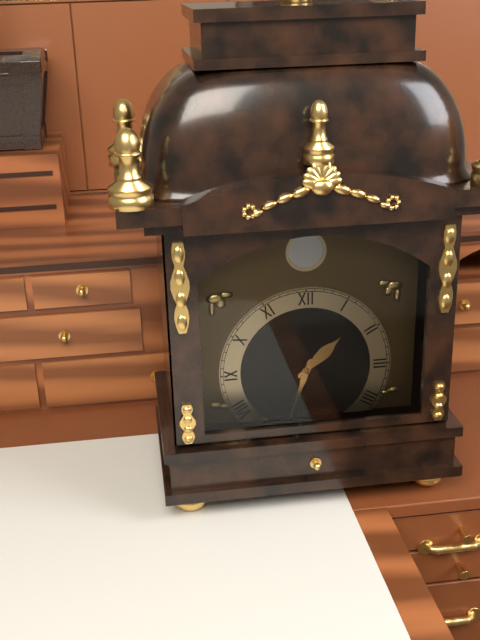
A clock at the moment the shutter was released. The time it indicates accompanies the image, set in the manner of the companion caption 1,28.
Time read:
1,33
